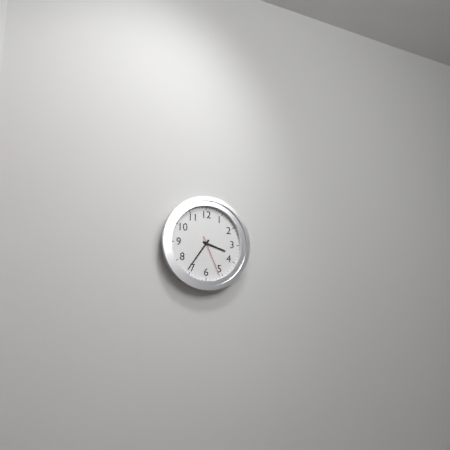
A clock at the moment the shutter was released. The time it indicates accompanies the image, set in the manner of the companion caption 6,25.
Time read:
3,36
